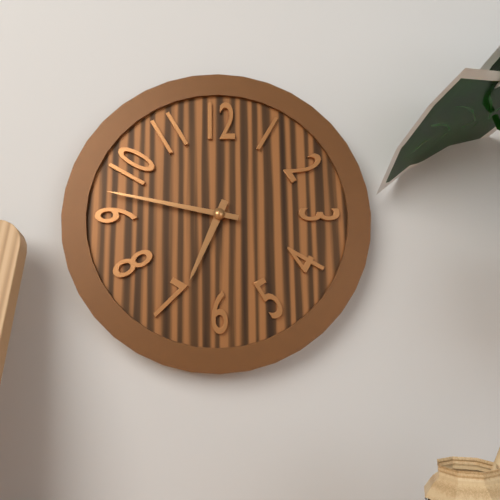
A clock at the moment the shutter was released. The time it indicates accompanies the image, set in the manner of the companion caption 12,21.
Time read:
6,47
